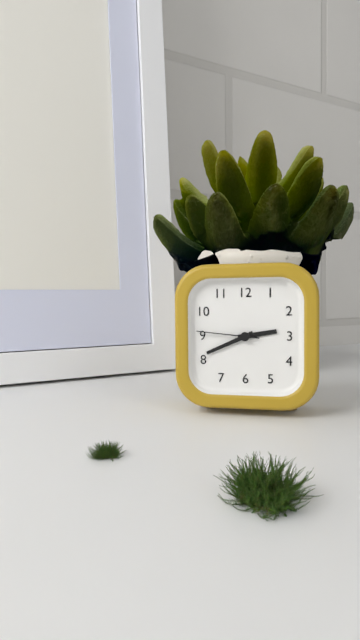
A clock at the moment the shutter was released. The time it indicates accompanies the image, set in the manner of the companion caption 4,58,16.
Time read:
2,41,46
